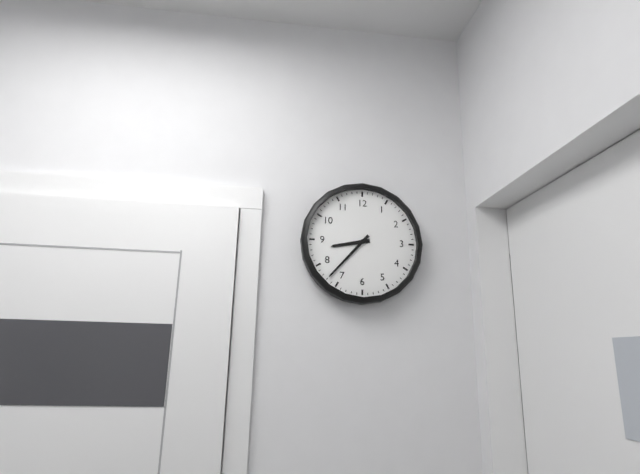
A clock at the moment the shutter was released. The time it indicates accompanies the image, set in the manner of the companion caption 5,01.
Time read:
8,37
